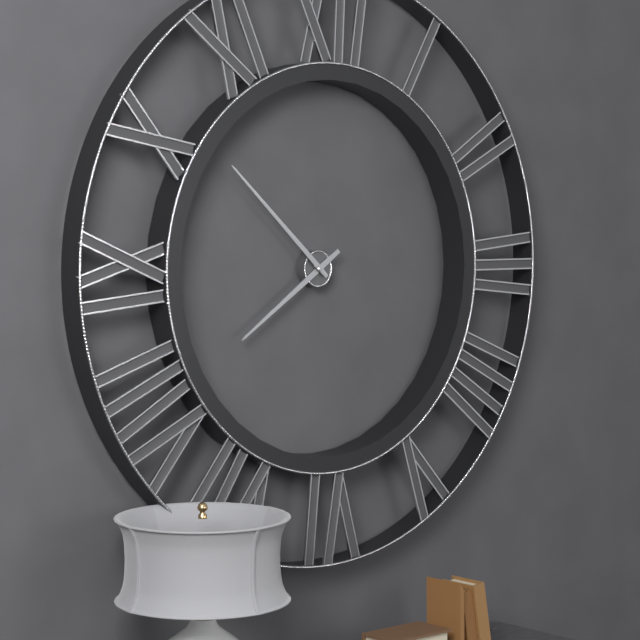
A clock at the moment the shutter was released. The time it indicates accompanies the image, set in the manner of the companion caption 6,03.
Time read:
7,52
